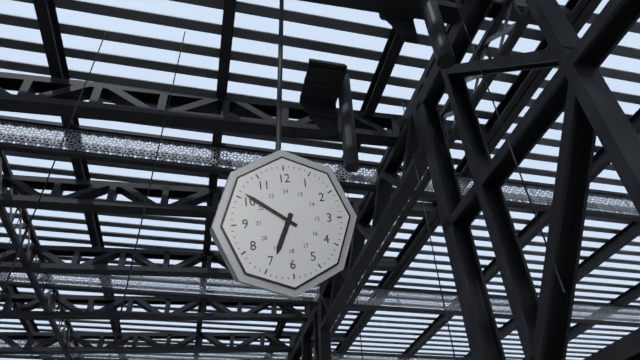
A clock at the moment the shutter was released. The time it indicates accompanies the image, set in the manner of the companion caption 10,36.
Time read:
6,51
